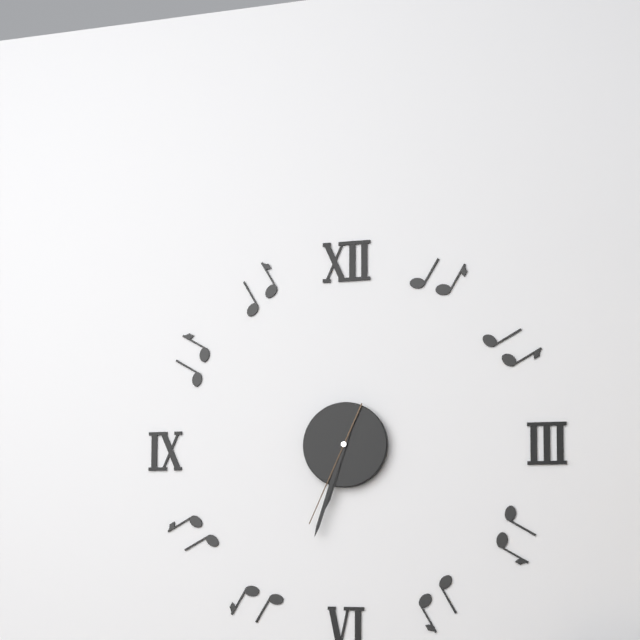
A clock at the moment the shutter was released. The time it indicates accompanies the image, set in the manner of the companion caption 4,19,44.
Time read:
6,33,34
